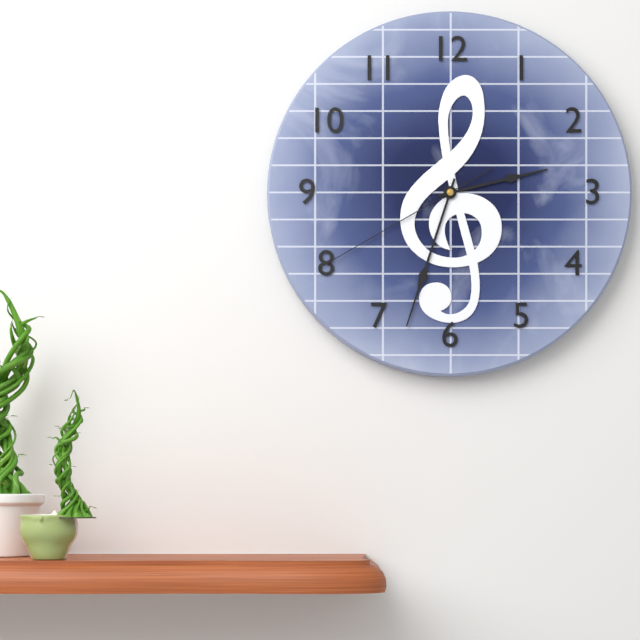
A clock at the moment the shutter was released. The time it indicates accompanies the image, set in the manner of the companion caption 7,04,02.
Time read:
2,33,40
